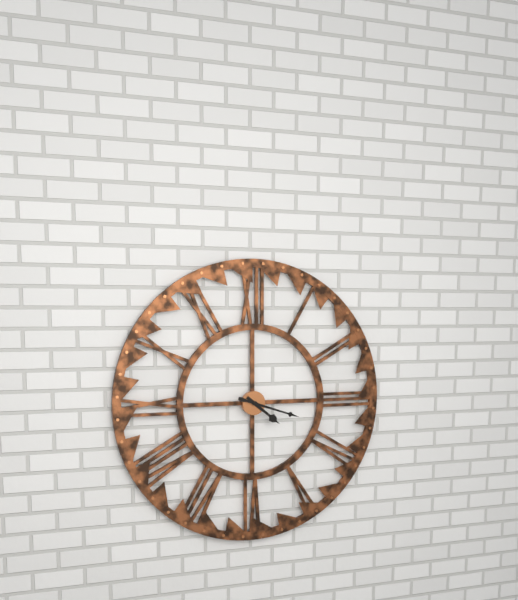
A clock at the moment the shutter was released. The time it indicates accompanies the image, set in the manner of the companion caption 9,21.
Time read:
4,18
